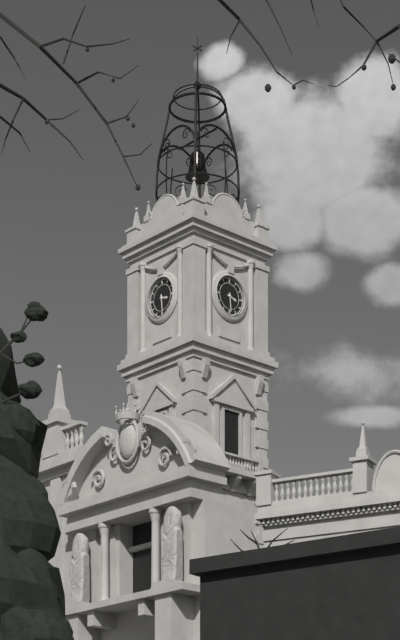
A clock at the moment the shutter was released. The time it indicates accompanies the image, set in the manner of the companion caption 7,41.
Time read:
3,29
